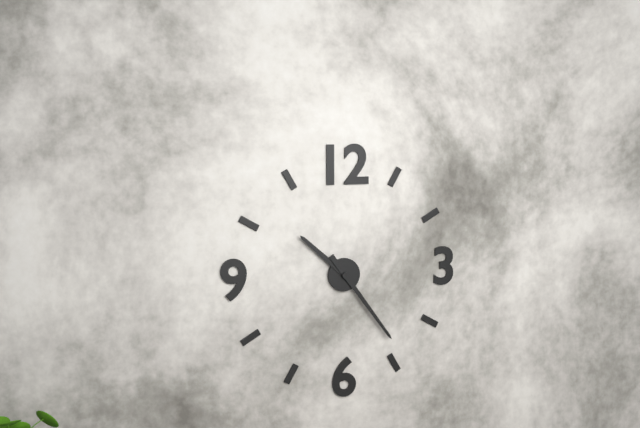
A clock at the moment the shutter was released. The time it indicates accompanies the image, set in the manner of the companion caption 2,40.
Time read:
10,24
